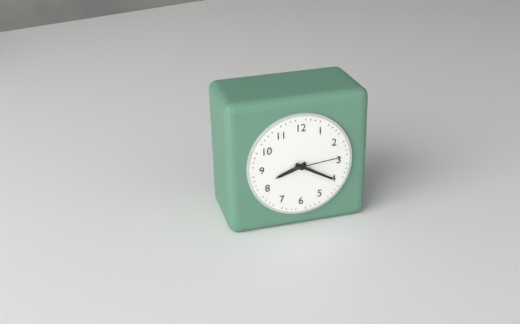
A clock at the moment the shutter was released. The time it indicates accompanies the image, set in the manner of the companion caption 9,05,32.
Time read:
8,20,14
